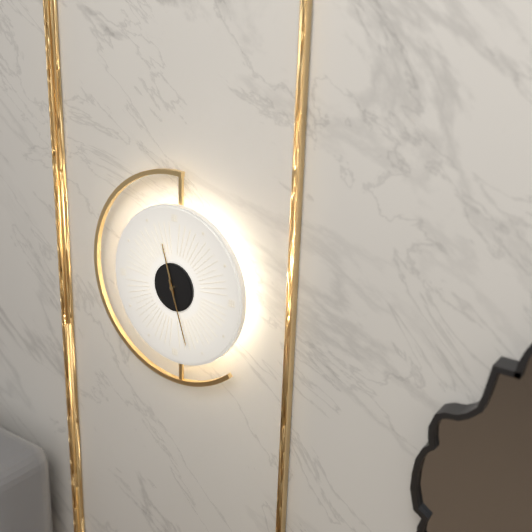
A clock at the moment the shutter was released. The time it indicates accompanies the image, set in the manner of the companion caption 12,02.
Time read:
11,27
